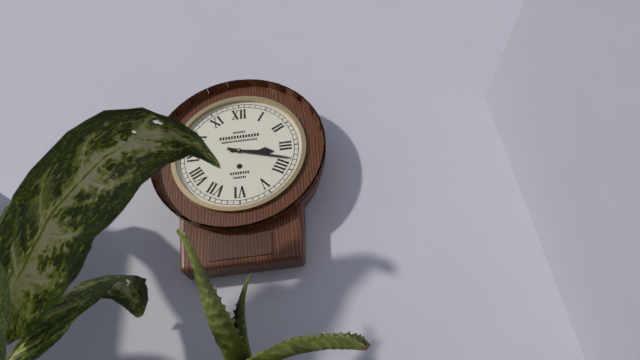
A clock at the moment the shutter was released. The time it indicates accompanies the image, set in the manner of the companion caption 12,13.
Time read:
3,18
